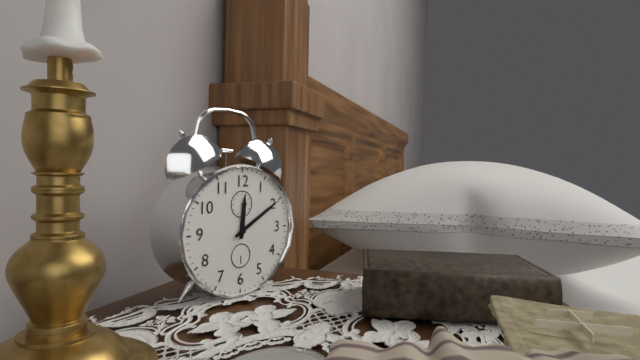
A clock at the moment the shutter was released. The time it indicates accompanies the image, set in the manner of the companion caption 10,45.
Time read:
12,10
